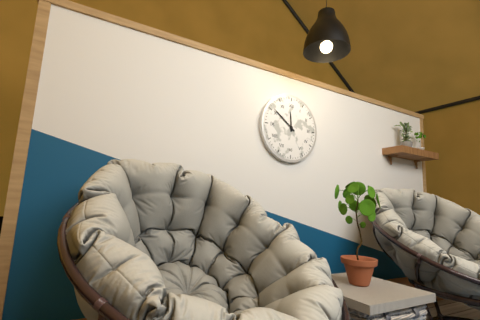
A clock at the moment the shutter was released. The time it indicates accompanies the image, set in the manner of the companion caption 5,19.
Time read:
11,51
